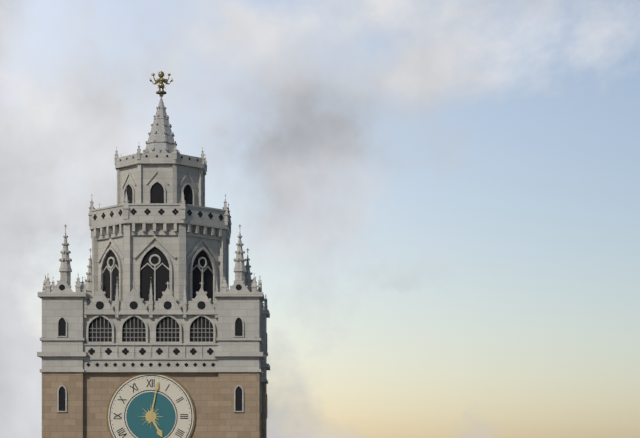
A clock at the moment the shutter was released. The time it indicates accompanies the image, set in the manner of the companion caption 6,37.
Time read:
5,02
